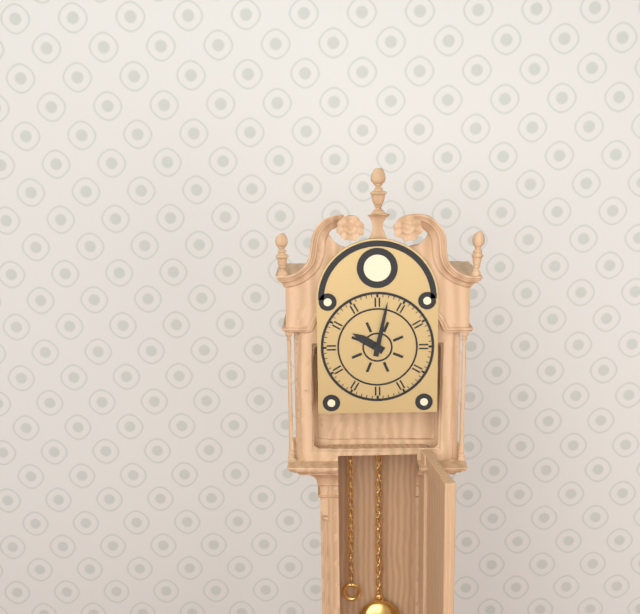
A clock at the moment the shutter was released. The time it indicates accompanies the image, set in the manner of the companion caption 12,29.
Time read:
10,02
